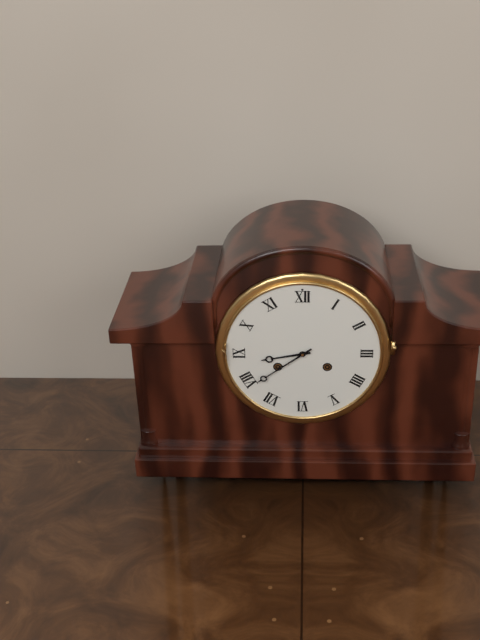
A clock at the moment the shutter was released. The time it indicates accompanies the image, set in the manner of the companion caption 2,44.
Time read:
8,39
